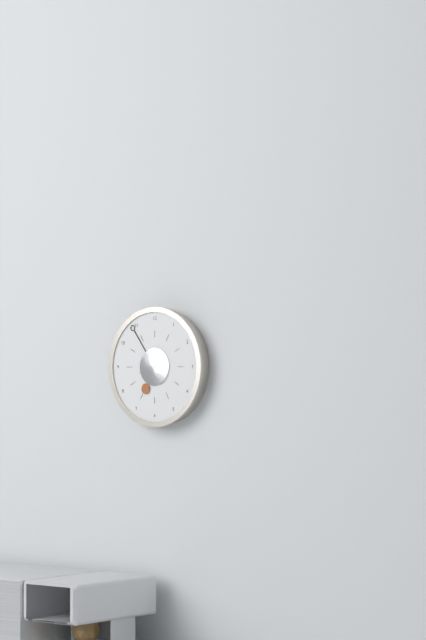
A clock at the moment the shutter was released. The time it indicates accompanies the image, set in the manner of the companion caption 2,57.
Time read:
6,54
